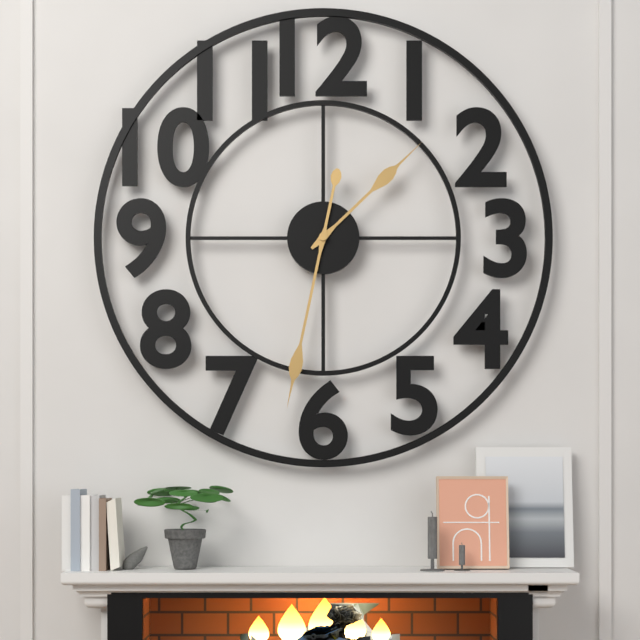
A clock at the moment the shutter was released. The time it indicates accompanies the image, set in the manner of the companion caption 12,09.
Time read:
1,32
